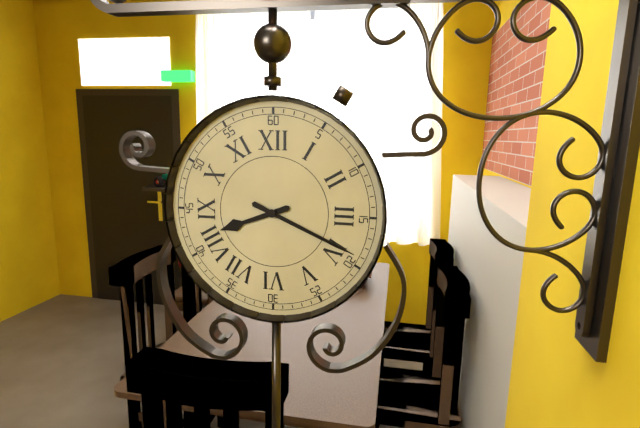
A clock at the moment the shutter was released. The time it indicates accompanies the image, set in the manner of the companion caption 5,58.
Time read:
8,19
